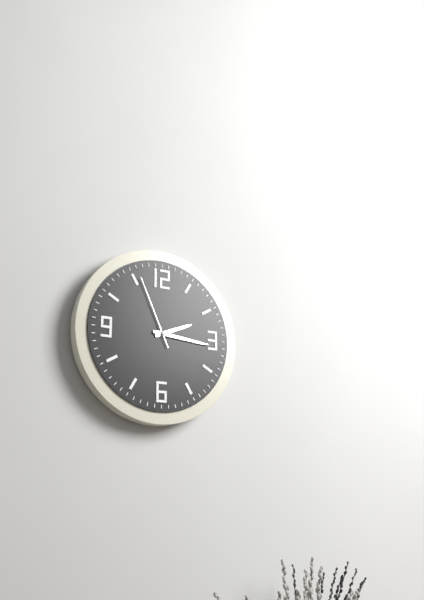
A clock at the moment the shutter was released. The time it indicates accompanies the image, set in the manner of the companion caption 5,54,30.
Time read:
2,16,56
